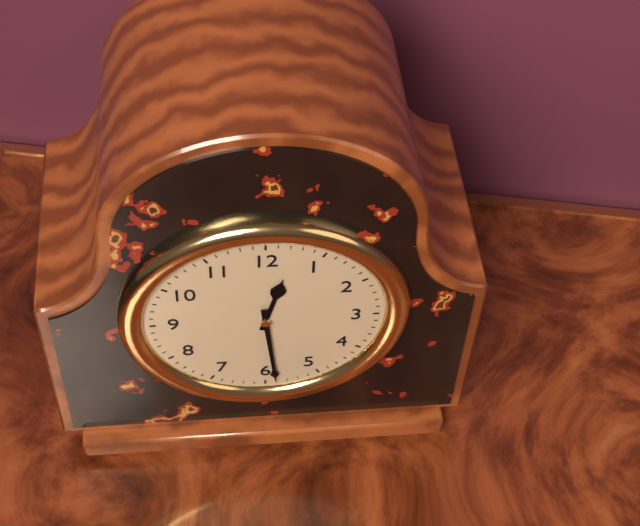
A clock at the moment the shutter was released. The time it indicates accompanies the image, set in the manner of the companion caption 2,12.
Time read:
12,29
